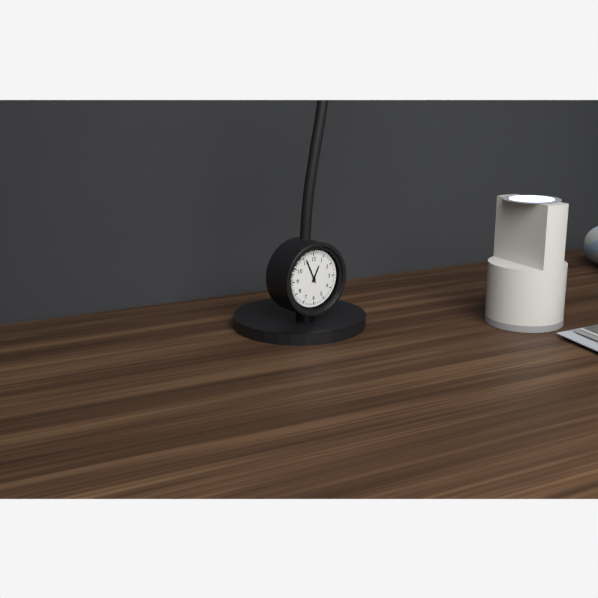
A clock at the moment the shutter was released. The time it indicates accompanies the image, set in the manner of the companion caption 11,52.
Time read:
12,56
